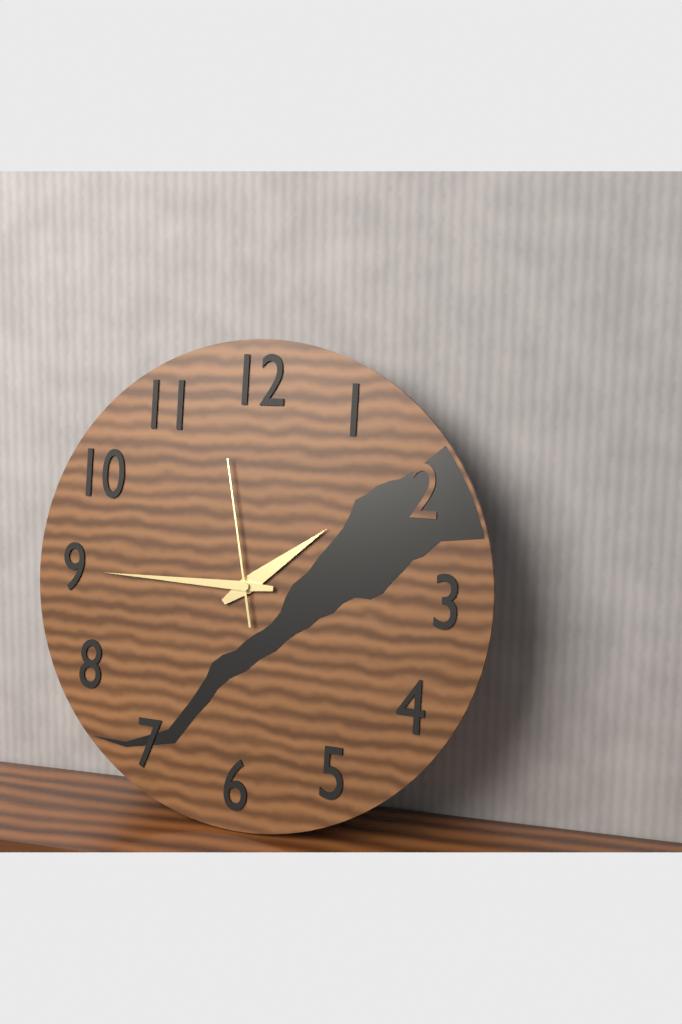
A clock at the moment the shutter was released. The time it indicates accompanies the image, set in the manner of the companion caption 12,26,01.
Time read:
1,45,58
